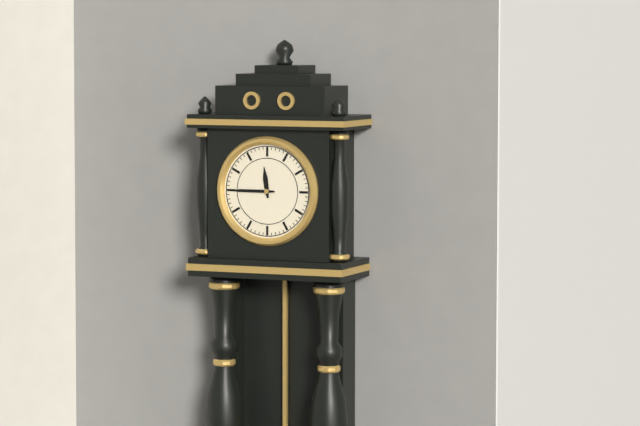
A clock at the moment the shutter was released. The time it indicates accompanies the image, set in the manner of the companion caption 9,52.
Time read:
11,45
